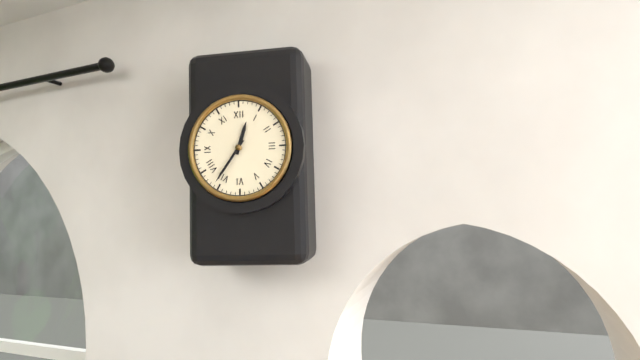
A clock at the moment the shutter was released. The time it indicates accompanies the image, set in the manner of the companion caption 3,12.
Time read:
12,36
